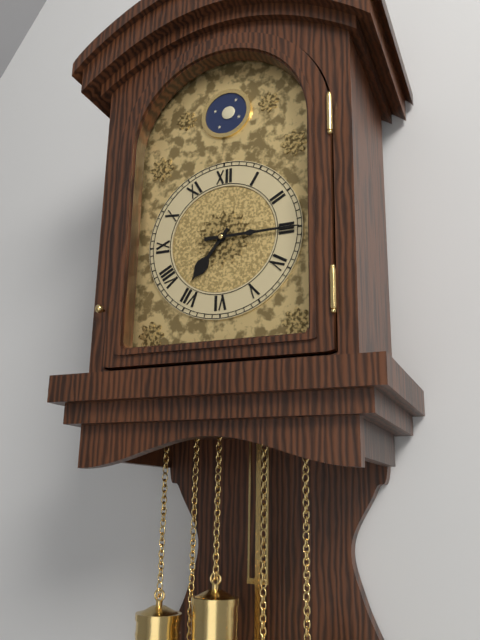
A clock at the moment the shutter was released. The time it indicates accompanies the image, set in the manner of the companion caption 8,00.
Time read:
7,15
